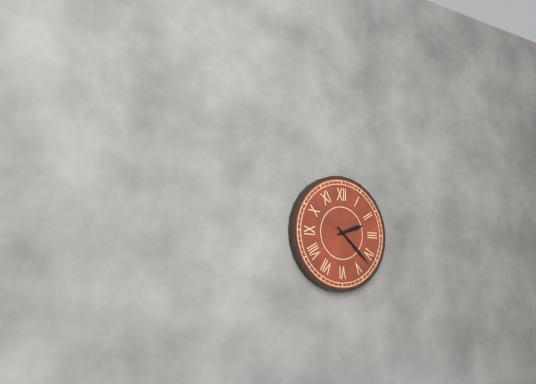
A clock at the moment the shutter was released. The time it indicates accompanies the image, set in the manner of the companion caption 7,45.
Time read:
2,22
